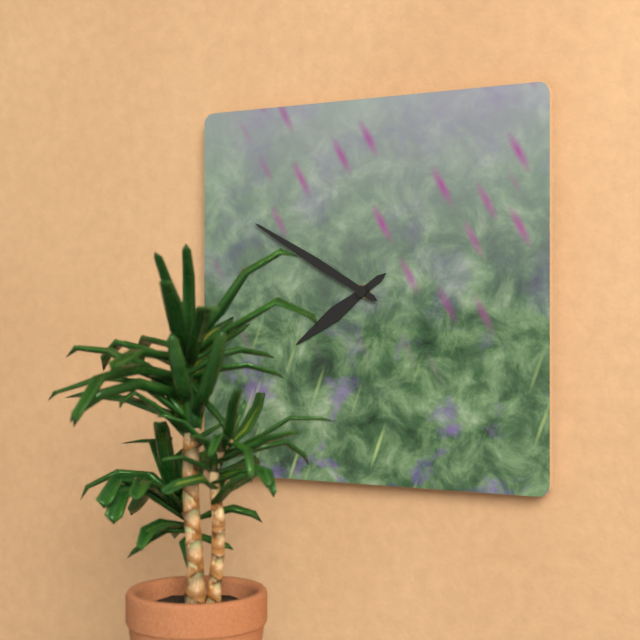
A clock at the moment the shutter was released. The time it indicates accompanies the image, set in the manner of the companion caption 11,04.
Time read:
7,50
